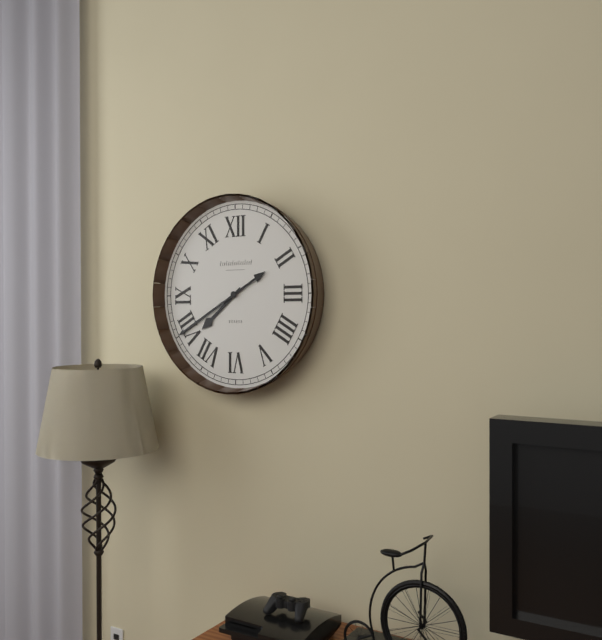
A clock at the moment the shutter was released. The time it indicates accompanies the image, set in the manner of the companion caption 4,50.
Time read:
7,40
